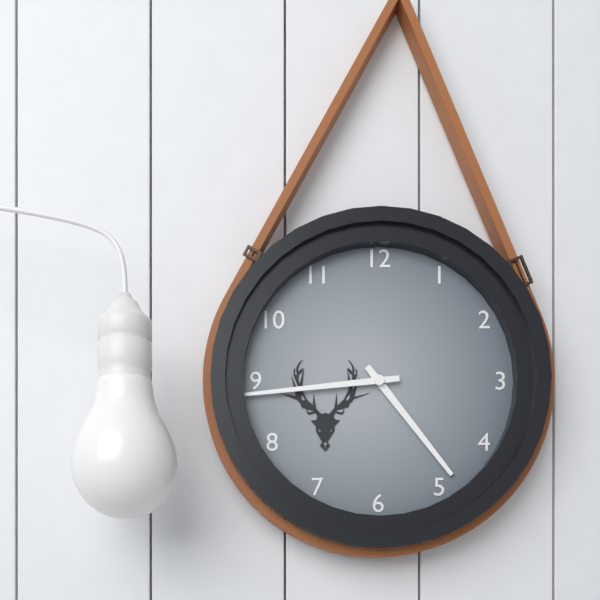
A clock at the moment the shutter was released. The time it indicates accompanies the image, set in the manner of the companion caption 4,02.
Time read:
4,44
